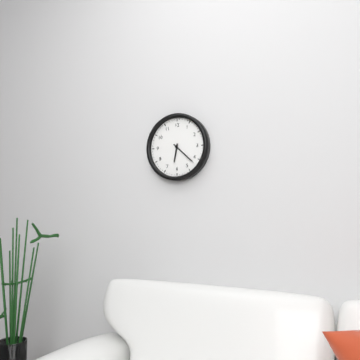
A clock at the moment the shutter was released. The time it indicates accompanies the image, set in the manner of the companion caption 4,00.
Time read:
6,22
